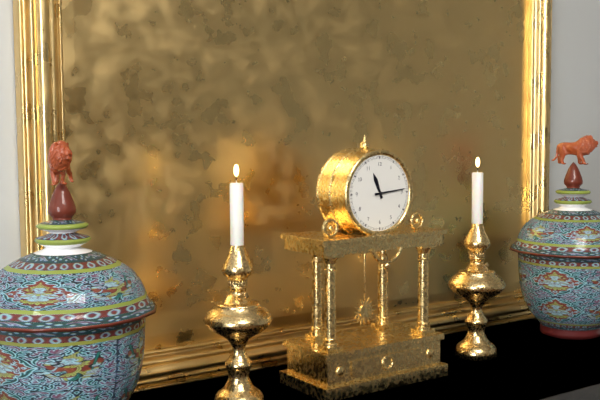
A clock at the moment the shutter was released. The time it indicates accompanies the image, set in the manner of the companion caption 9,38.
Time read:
11,14
